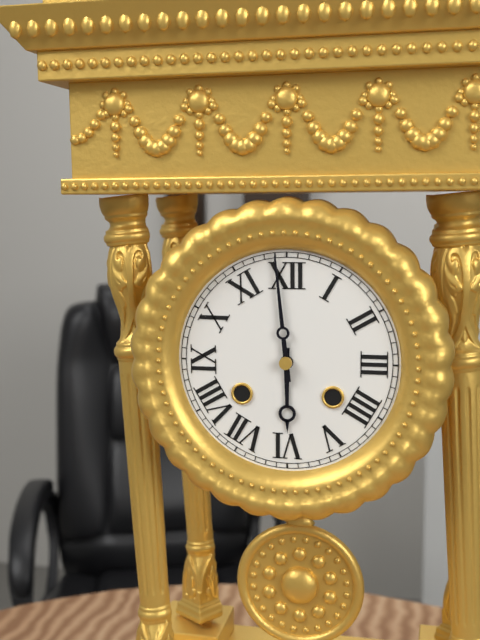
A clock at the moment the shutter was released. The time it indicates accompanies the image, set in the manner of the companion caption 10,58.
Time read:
5,59
